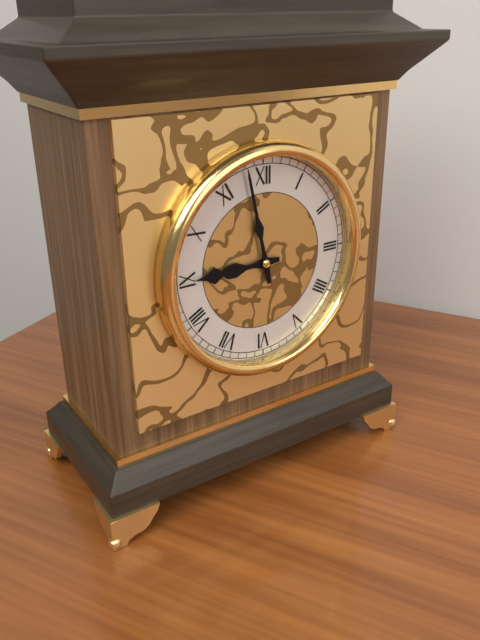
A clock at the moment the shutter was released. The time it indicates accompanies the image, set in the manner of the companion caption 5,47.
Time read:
8,58
